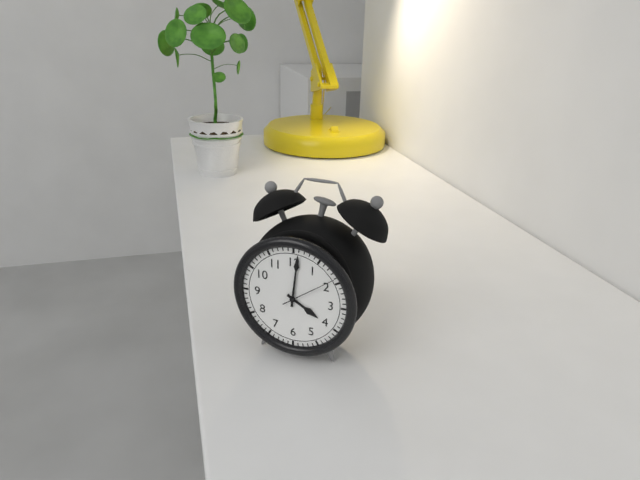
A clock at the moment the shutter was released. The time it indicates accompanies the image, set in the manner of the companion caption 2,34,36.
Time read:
4,01,09
